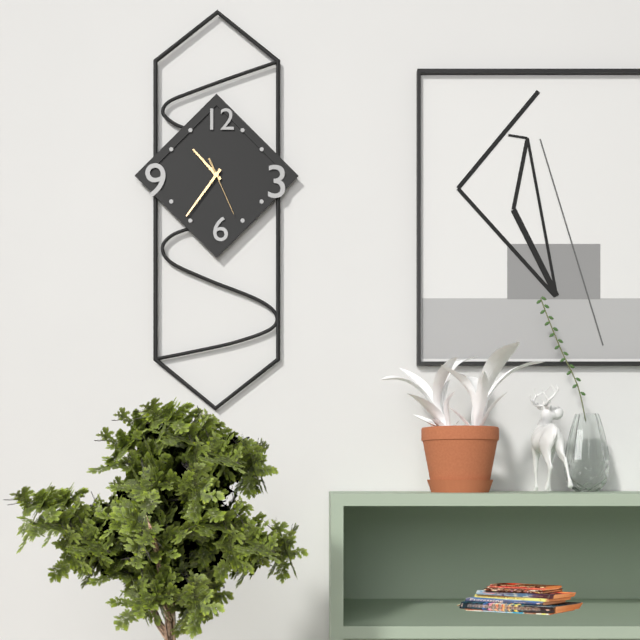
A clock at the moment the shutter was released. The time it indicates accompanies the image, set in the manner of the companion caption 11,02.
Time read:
10,36
